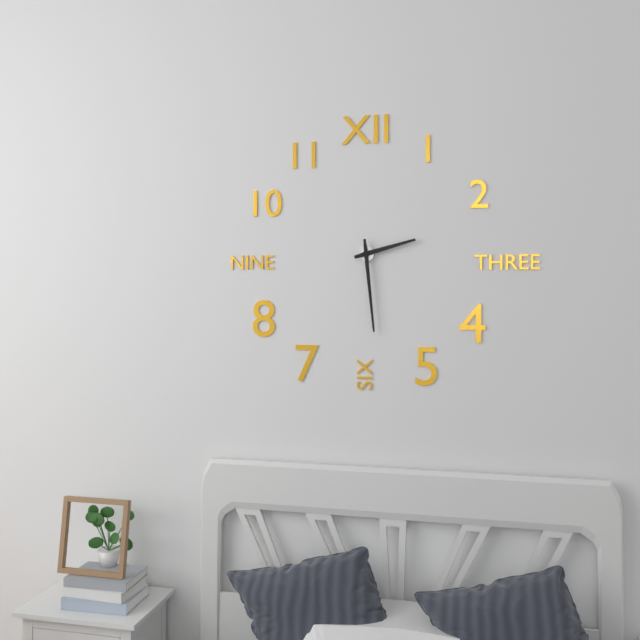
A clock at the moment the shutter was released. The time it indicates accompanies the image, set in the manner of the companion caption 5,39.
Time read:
2,29
